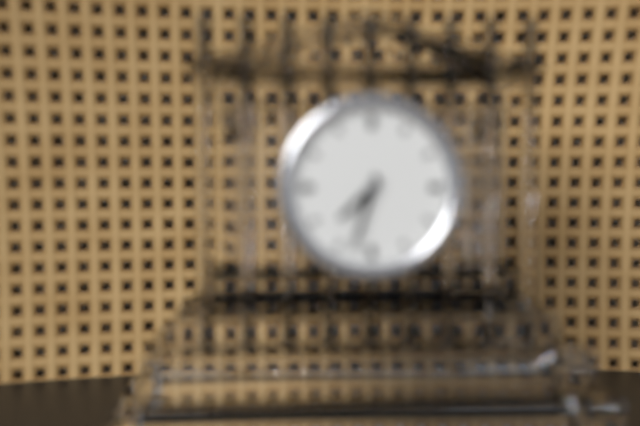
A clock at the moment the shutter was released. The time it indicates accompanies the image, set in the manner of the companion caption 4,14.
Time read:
7,33
